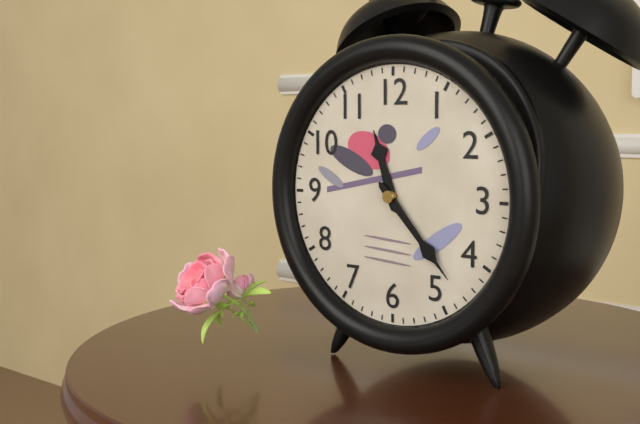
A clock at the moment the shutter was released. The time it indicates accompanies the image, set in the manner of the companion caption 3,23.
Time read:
11,23
